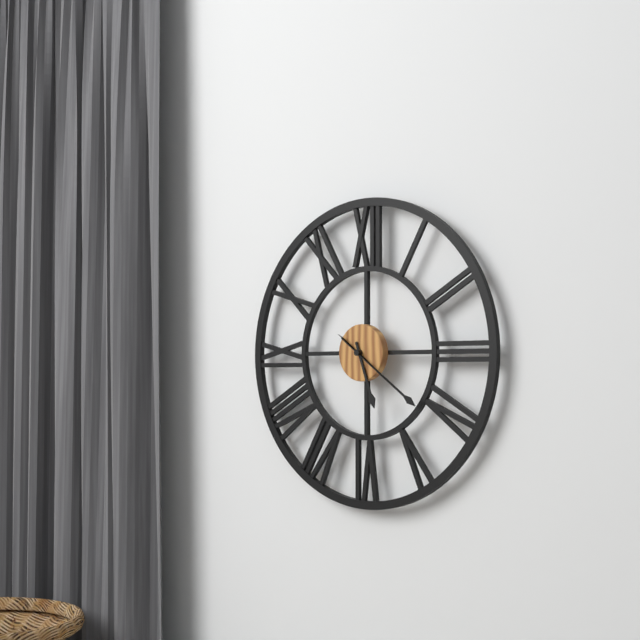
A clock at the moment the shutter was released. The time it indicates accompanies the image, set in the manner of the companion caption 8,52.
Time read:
5,21
